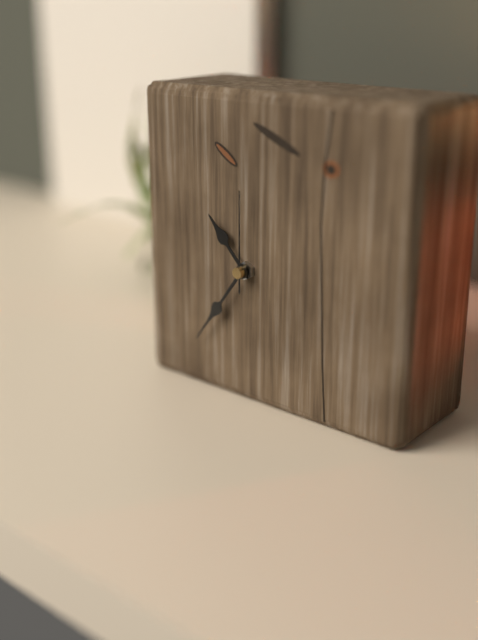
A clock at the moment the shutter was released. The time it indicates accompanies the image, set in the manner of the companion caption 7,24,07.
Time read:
10,36,00
